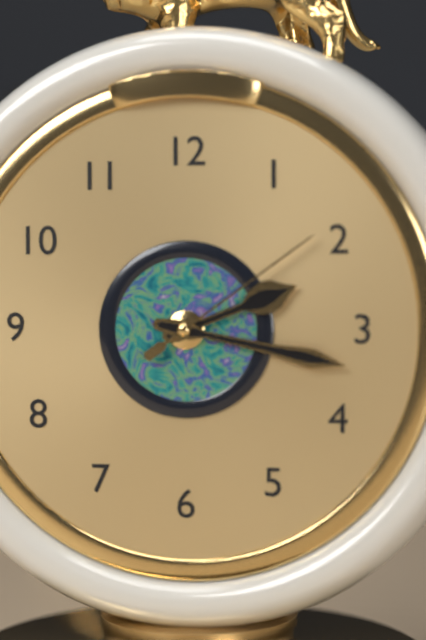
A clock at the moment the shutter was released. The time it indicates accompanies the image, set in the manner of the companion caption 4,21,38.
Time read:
2,17,09
